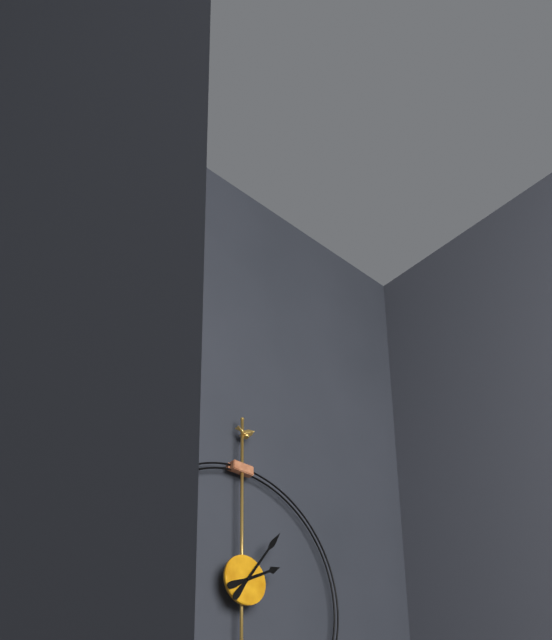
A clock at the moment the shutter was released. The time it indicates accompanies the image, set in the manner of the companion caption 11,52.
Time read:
2,06
